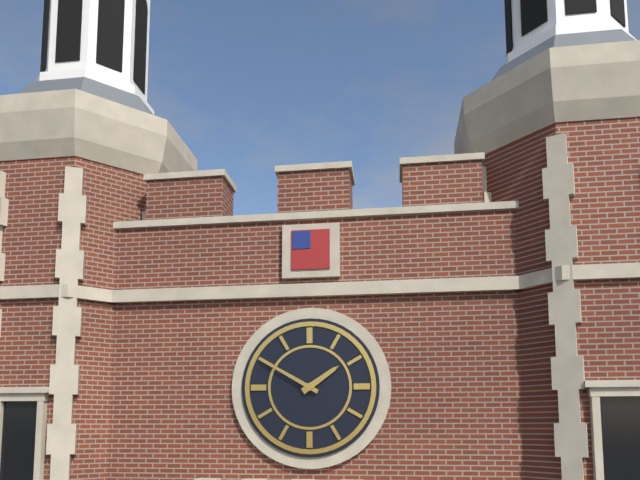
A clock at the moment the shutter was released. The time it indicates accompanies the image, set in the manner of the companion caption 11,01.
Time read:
1,50
